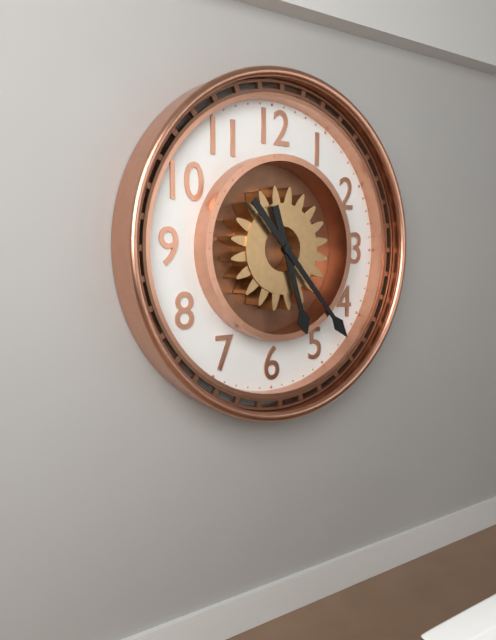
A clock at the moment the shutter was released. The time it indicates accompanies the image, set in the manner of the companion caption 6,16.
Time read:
5,23
